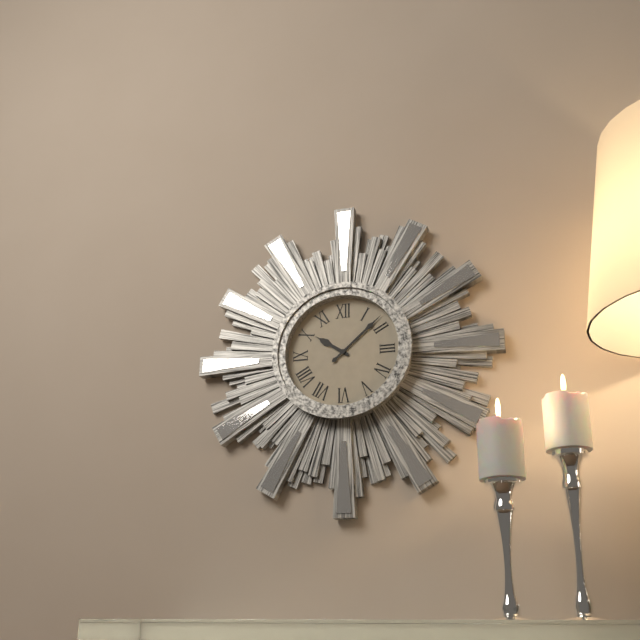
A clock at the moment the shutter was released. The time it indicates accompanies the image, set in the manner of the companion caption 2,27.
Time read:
10,08
